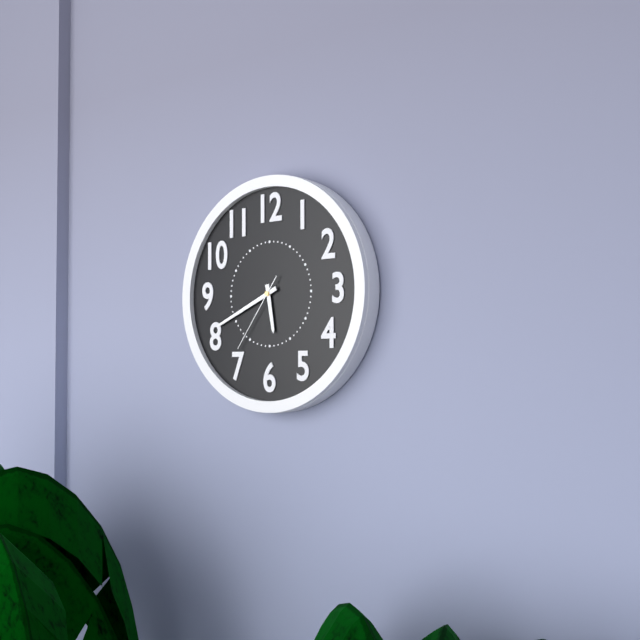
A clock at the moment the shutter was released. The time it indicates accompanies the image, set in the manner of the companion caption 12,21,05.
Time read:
5,41,36
